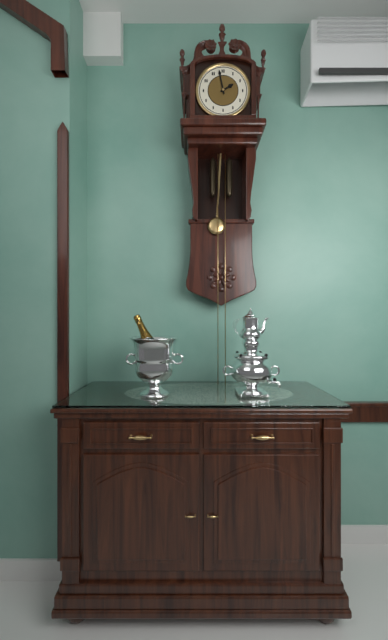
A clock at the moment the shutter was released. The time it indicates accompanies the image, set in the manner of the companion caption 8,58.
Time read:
1,58
